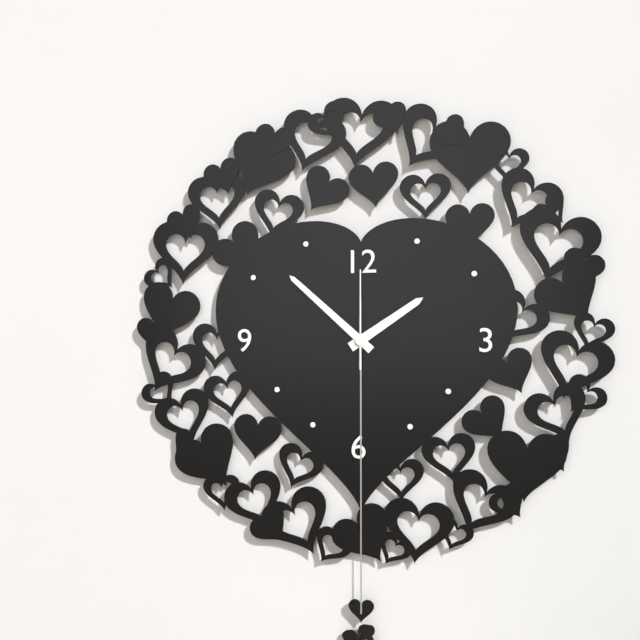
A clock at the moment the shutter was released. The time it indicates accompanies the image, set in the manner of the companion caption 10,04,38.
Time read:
1,52,00
